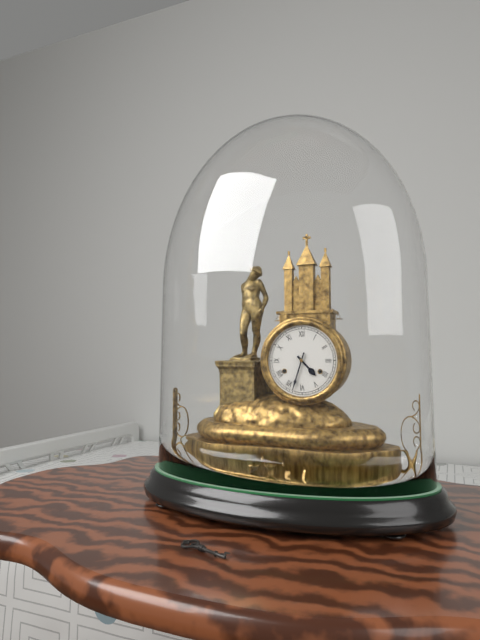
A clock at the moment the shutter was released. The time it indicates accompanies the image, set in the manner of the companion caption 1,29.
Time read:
4,33
